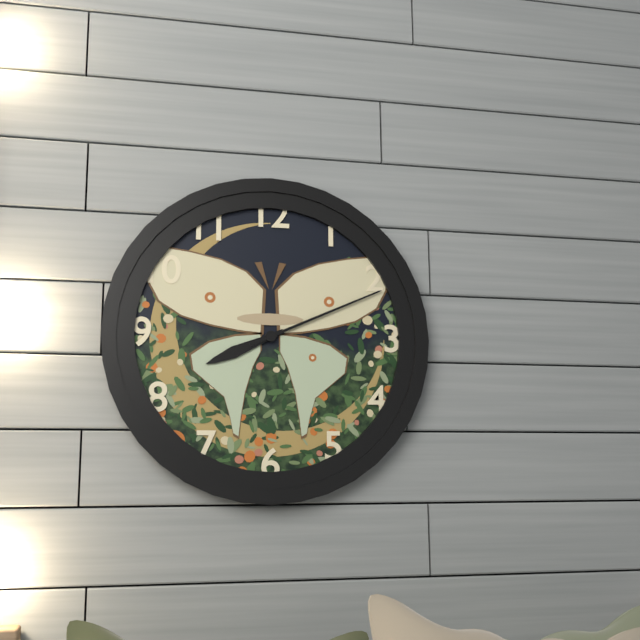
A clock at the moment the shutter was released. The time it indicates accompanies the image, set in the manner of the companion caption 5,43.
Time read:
8,11
